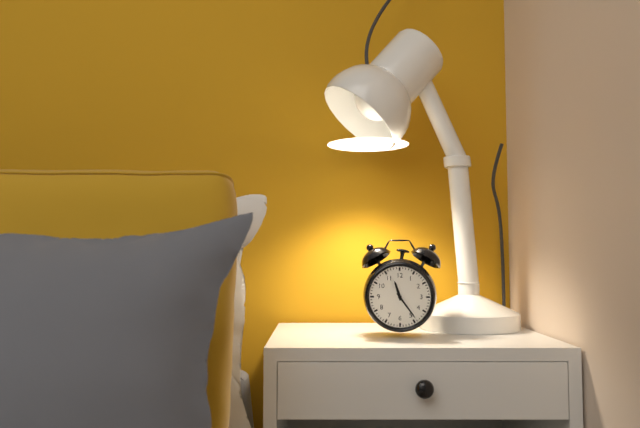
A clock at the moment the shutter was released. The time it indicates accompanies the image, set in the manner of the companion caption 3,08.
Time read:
11,24
